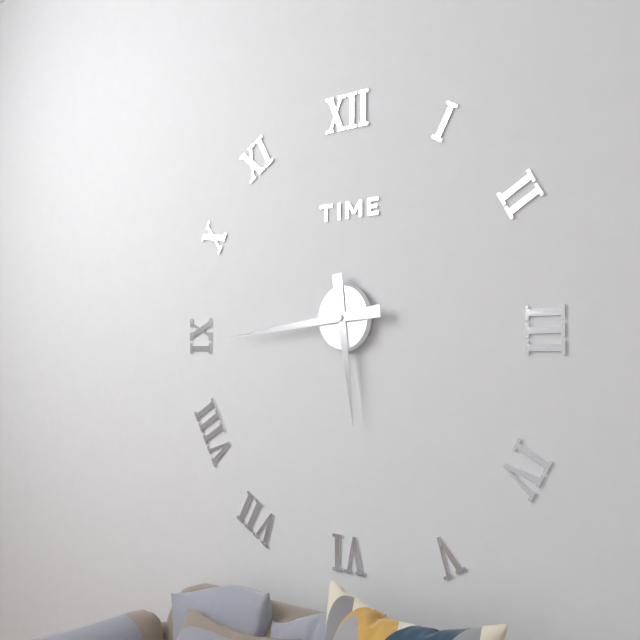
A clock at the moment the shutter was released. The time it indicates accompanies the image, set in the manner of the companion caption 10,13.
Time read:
5,44
